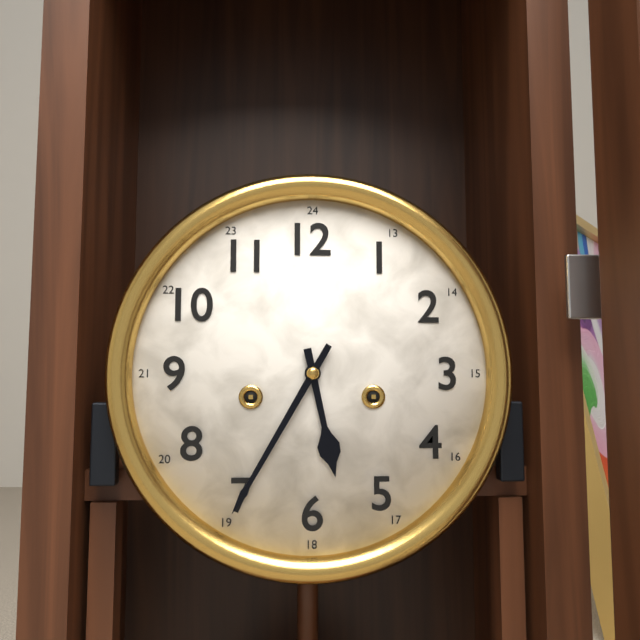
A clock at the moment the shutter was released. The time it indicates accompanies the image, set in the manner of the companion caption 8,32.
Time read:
5,35
